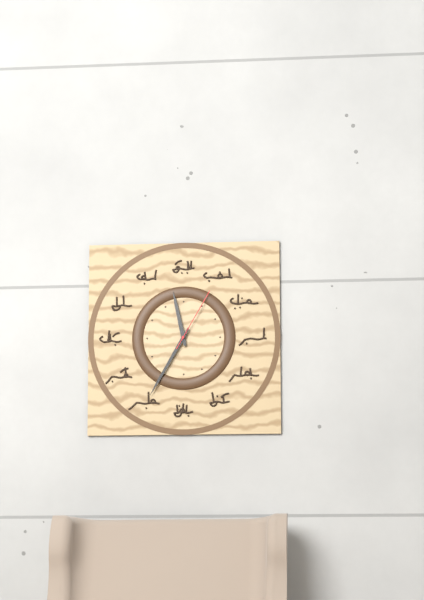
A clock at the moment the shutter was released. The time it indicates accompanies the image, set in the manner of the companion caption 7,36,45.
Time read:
11,35,05
